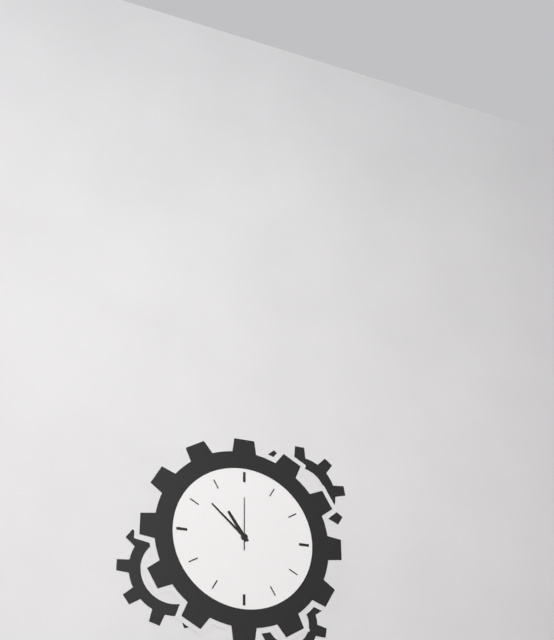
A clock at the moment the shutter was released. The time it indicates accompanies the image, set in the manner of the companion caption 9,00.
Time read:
10,52
